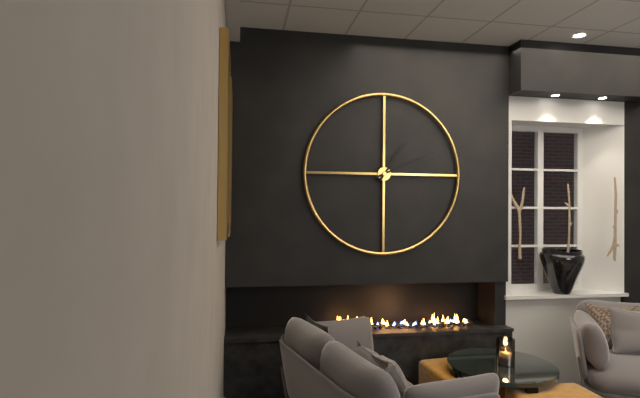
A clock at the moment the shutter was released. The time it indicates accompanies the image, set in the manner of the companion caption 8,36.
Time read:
1,11
